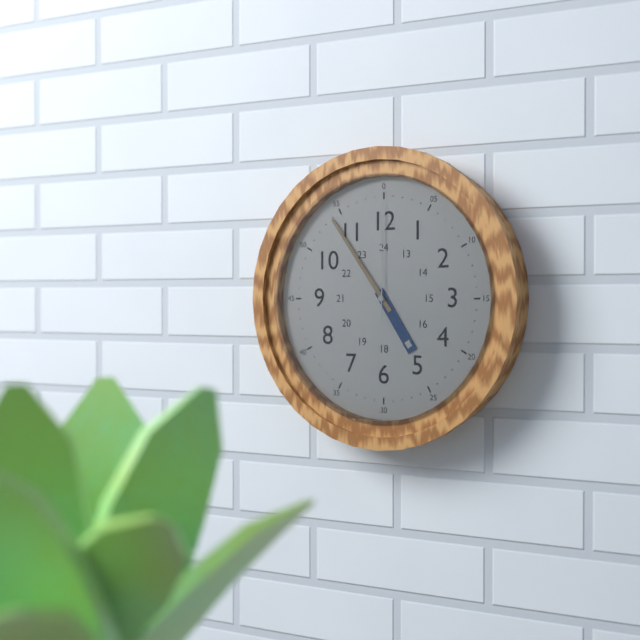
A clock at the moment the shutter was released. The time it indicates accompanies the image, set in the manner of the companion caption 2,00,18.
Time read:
4,54,00
